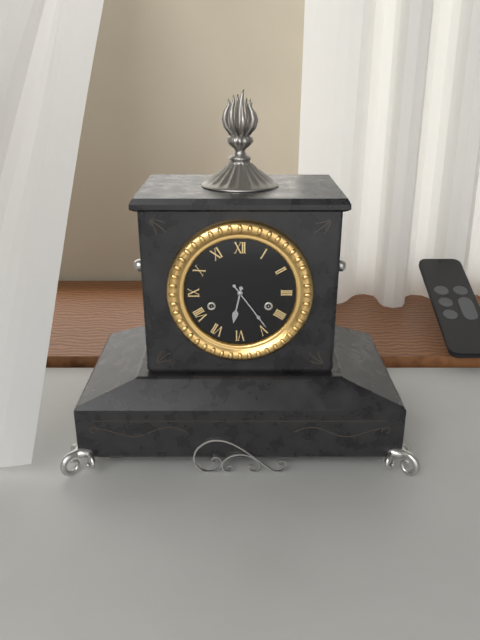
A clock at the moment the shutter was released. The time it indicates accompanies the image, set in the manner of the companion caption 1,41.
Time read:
6,24
